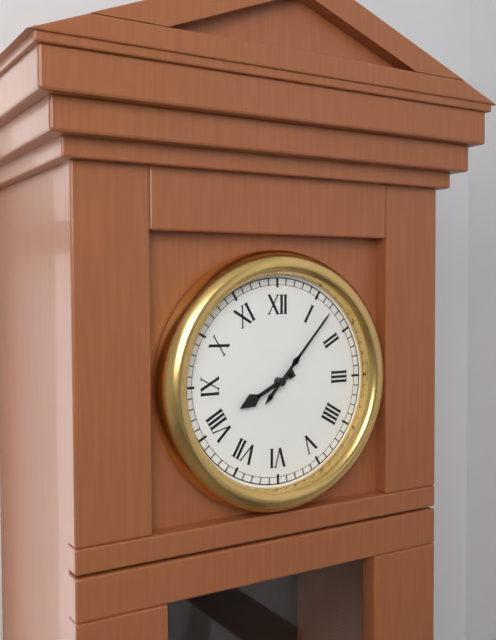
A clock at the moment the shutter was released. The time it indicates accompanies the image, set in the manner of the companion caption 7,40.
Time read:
8,07
